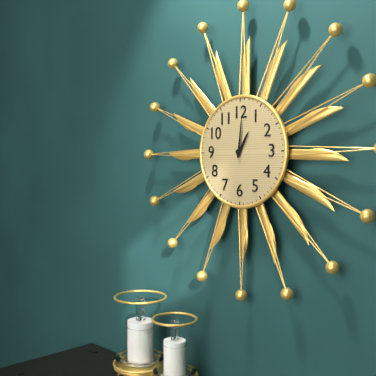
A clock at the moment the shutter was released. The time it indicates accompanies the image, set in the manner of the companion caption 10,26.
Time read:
1,01
